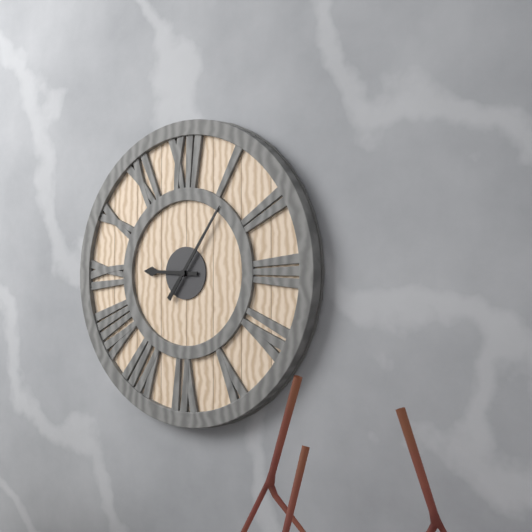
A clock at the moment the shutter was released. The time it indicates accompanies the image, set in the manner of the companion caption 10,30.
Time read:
9,06
